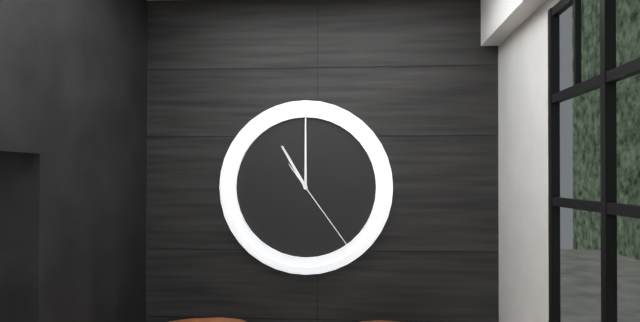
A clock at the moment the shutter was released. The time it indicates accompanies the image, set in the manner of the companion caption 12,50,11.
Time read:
11,00,24
